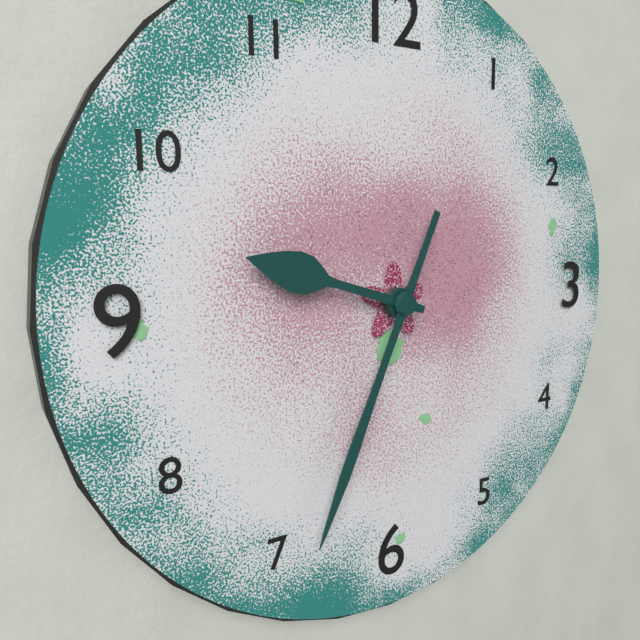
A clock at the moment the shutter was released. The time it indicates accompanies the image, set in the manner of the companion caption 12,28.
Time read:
9,34
